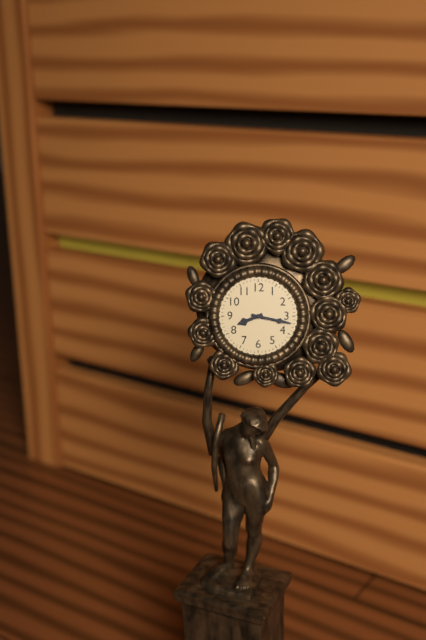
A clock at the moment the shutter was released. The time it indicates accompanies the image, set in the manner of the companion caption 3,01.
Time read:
8,17
